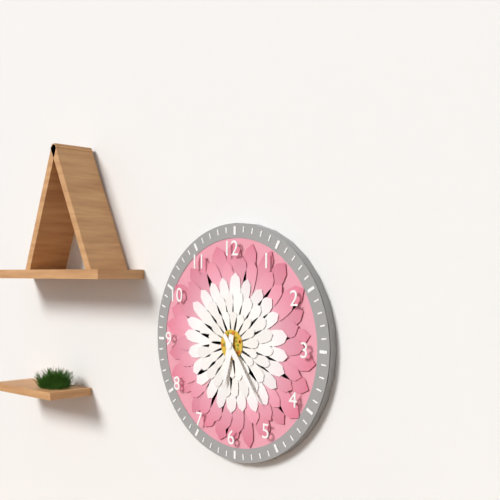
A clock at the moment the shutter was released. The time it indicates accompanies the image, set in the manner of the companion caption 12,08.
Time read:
6,24
